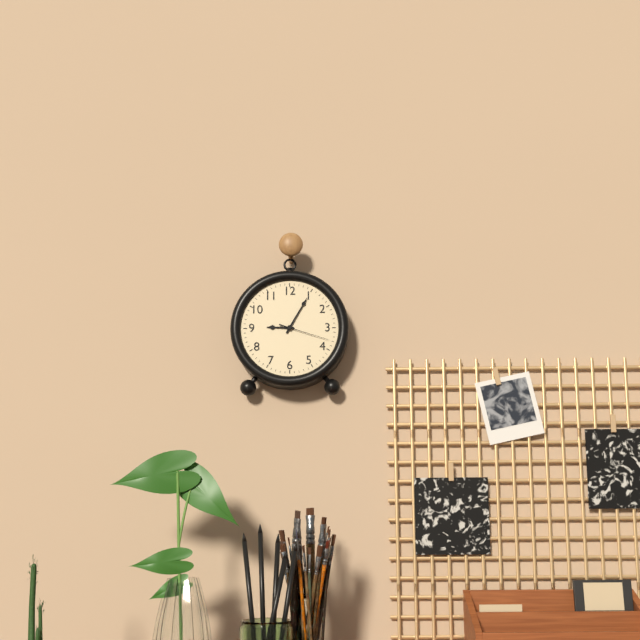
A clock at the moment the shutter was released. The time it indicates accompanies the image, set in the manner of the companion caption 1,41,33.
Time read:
9,05,18
